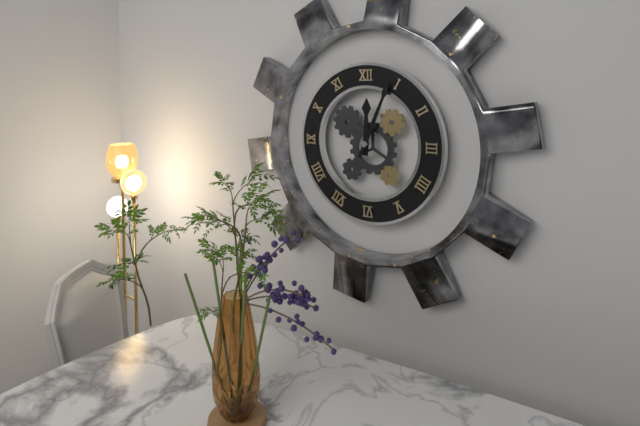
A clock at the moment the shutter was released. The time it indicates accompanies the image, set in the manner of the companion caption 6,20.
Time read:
12,04
